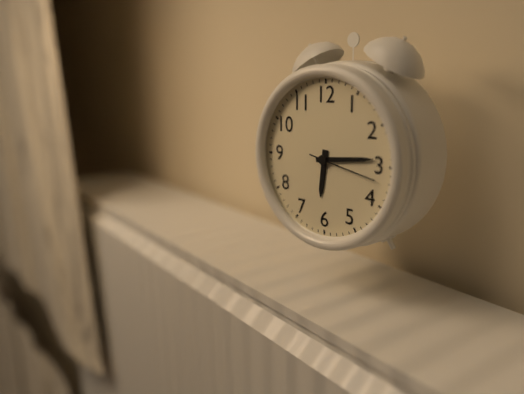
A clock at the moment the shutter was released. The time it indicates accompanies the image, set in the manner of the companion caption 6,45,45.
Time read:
6,14,17
